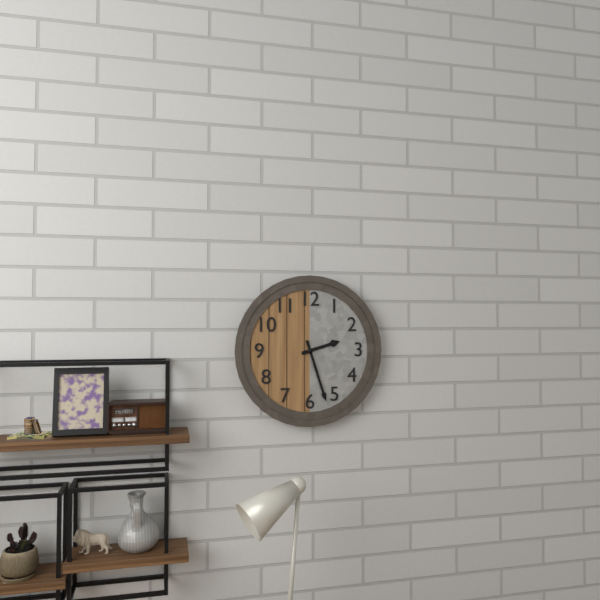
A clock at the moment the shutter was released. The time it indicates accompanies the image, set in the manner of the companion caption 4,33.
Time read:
2,27
